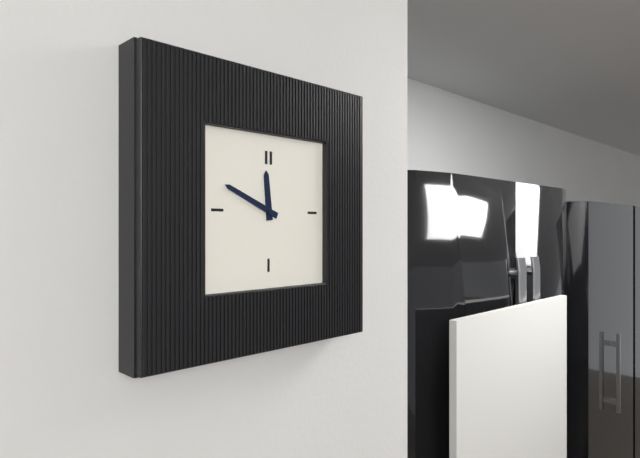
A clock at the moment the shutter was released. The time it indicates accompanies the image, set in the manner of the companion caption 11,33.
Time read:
11,49
